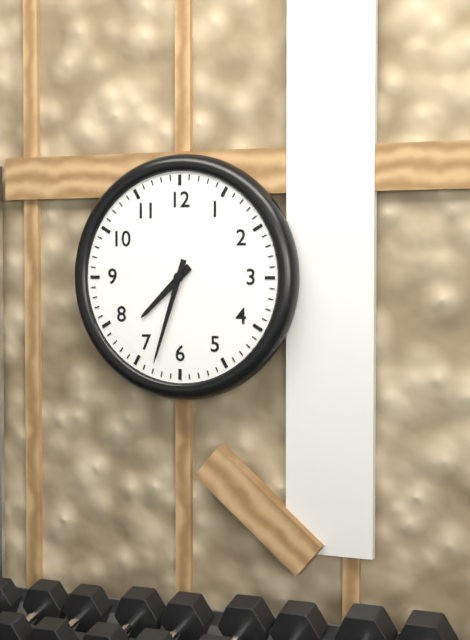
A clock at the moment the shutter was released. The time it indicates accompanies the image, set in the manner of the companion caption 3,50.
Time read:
7,33
